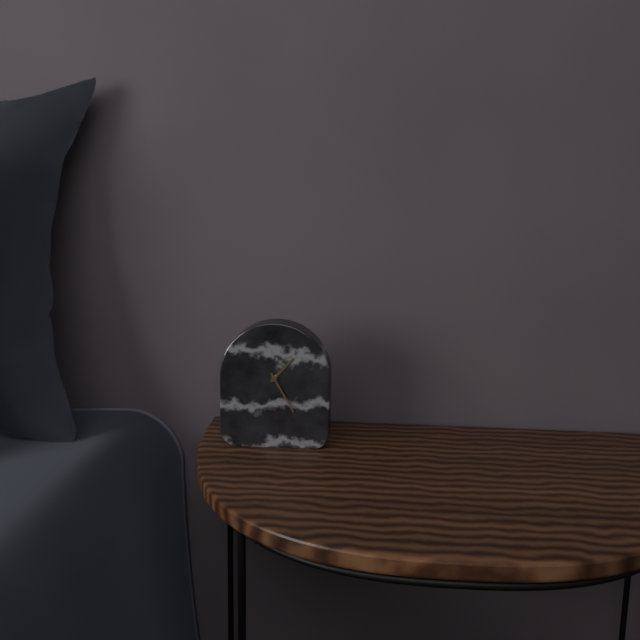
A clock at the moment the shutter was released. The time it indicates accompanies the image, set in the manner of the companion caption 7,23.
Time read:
1,25
